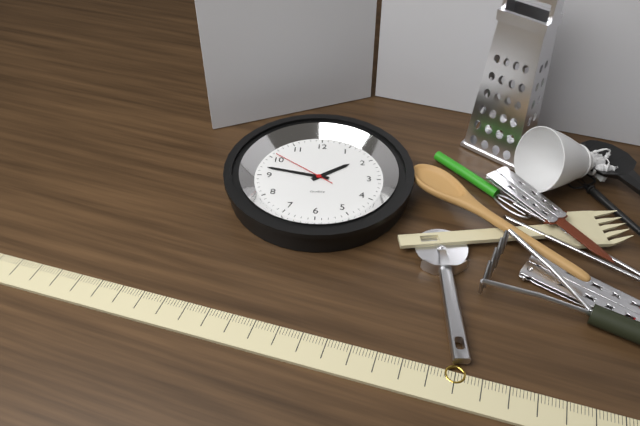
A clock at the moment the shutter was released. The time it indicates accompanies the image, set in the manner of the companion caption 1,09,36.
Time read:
1,47,51
